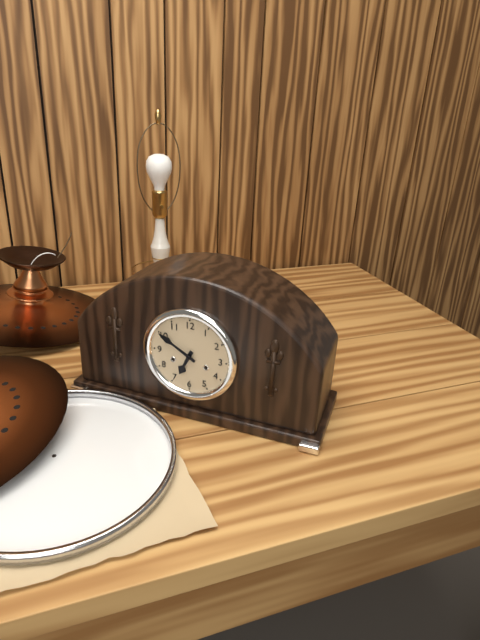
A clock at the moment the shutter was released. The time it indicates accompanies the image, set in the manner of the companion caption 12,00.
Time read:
6,50
